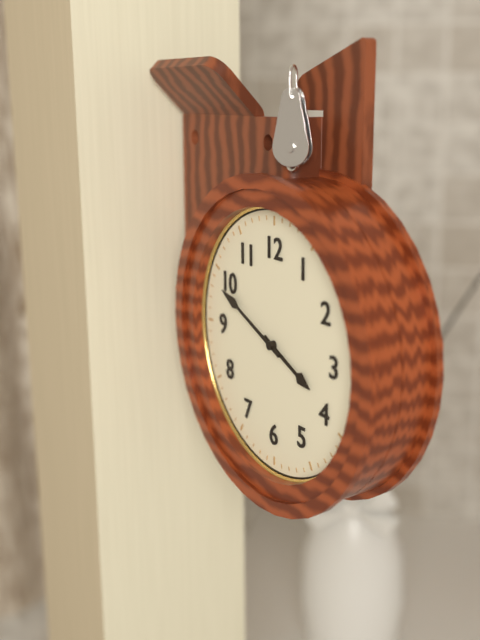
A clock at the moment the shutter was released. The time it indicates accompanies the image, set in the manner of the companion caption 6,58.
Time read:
3,49
